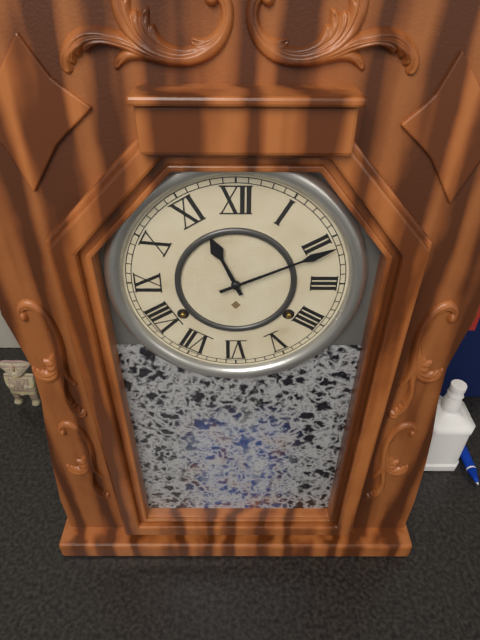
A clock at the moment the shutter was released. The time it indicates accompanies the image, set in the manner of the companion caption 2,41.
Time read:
11,11
